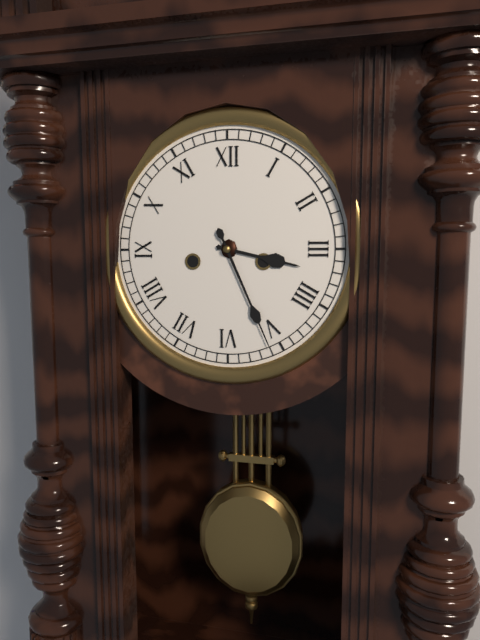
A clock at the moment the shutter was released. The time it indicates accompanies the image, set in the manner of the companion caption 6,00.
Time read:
3,26
